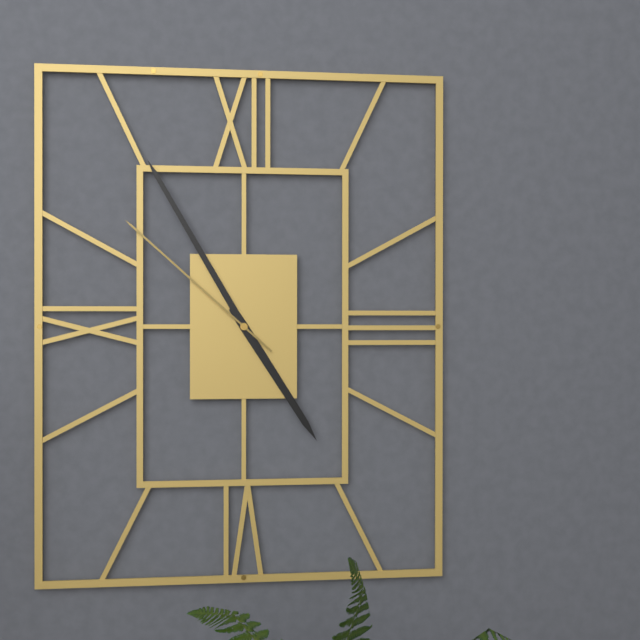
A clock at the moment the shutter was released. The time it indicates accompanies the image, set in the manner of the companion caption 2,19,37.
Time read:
4,55,52
